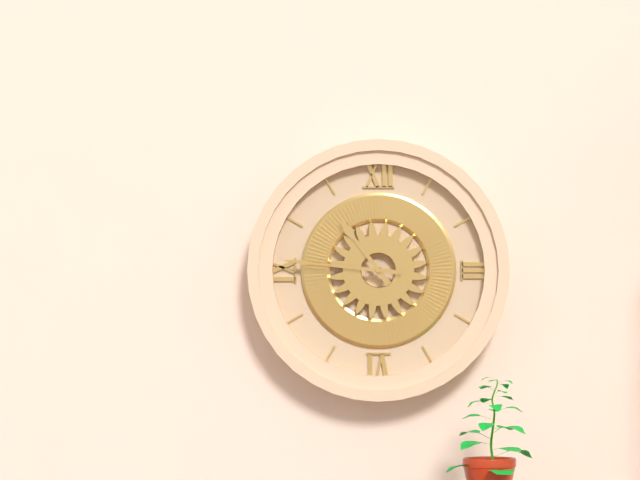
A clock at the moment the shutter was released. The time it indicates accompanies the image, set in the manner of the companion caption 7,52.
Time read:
10,46
